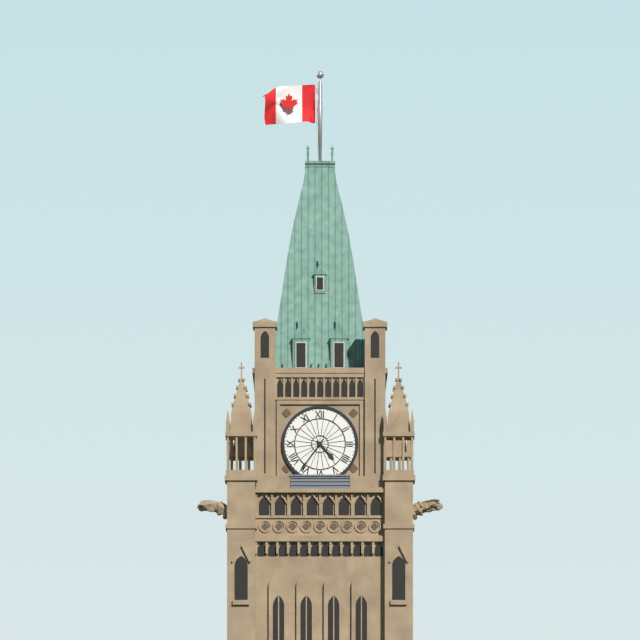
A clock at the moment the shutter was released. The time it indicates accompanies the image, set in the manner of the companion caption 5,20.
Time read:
4,36
